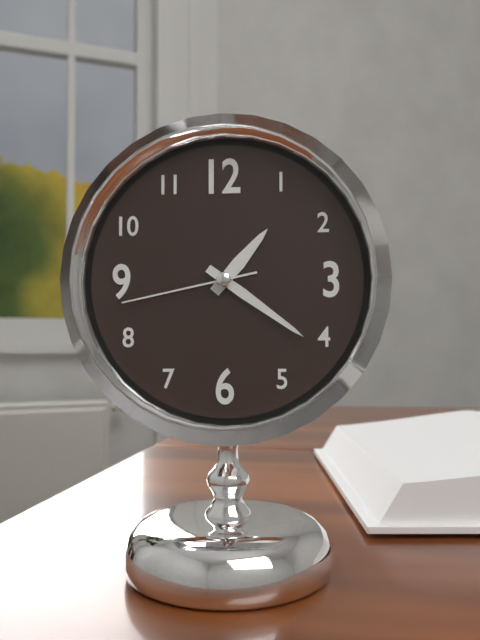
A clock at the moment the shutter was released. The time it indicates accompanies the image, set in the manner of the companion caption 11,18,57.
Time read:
1,21,43
